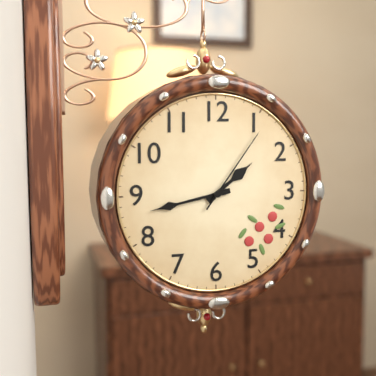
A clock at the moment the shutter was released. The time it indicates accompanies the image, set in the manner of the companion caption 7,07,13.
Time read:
1,43,06
